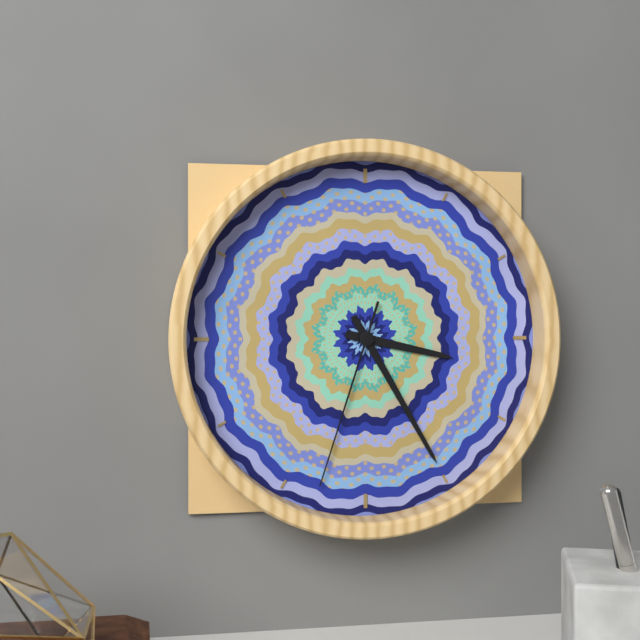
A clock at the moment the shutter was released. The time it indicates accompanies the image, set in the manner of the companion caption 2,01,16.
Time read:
3,25,33
